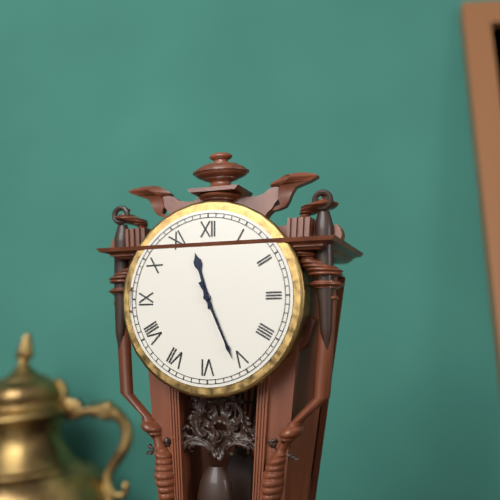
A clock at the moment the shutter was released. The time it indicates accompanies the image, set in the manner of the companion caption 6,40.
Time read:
11,26
